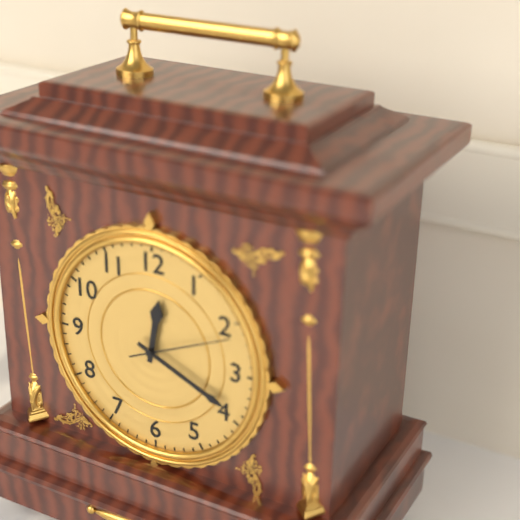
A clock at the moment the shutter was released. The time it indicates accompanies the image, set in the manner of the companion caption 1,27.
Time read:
12,19
